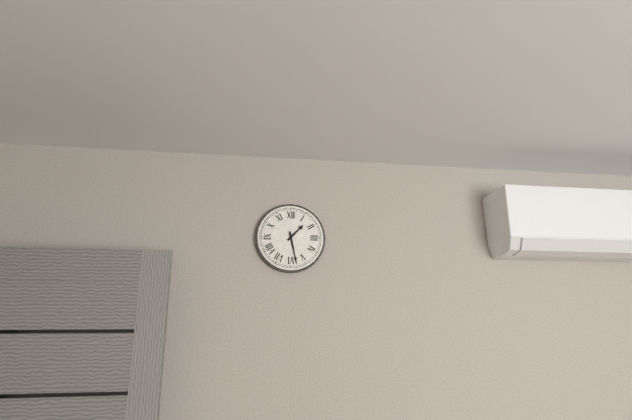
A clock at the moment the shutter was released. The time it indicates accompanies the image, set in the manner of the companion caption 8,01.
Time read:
1,28
